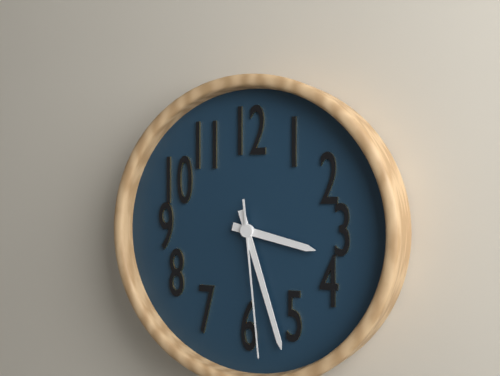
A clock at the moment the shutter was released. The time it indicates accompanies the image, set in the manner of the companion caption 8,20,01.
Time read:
3,27,29
